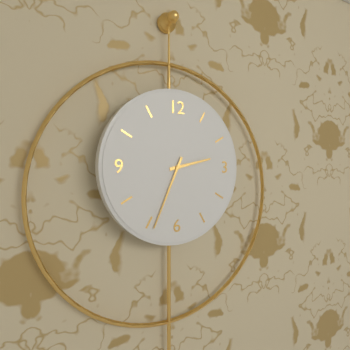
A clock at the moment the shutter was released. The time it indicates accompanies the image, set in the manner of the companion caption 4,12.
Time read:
2,34
